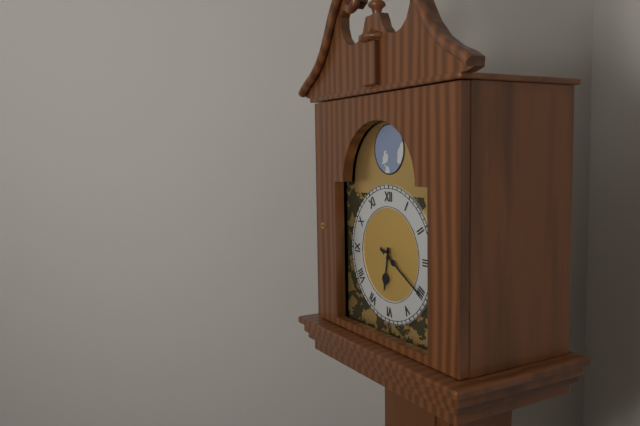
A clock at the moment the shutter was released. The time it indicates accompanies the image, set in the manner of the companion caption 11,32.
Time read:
6,20
